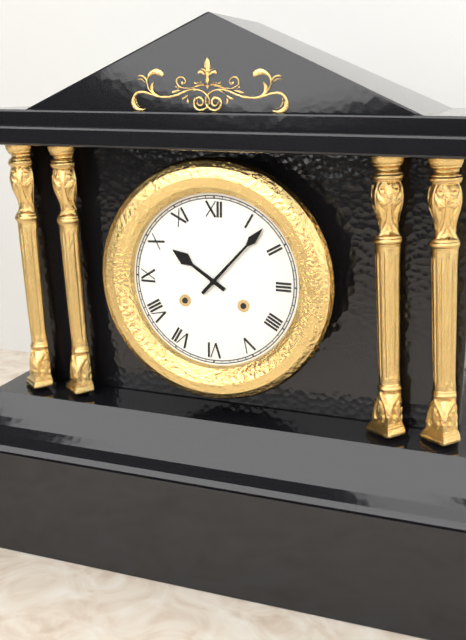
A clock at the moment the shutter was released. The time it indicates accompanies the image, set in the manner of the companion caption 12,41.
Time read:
10,07
